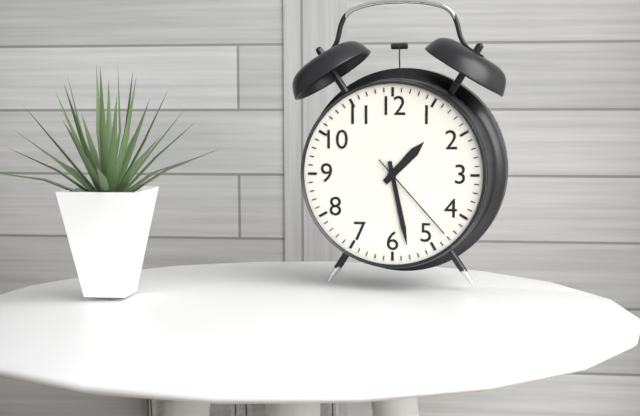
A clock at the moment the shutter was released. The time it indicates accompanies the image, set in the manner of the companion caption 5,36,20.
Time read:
1,28,23
